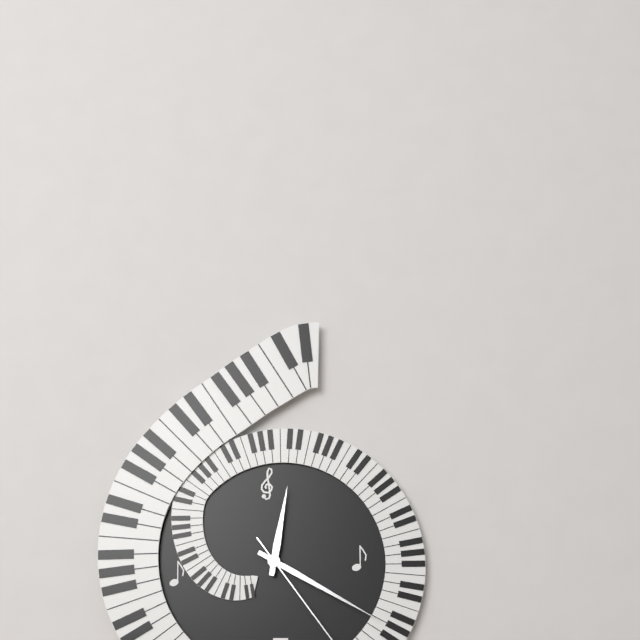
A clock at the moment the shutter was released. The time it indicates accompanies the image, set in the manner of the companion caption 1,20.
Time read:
12,20
